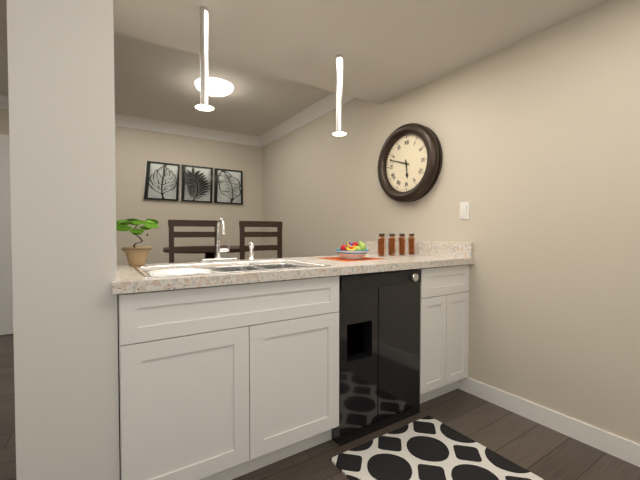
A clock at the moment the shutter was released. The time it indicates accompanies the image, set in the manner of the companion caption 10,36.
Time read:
5,48
